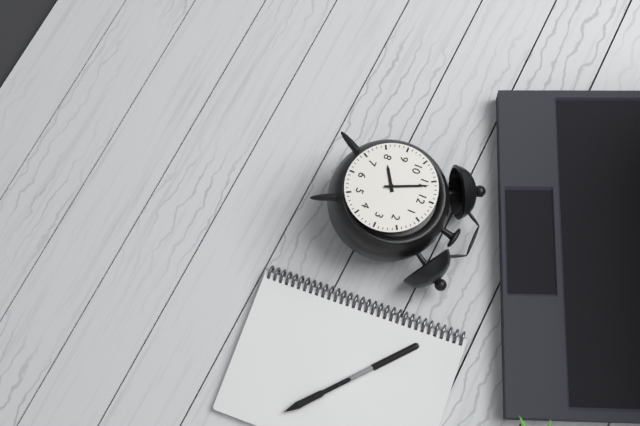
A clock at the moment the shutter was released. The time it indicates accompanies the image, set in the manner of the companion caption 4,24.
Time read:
7,56
